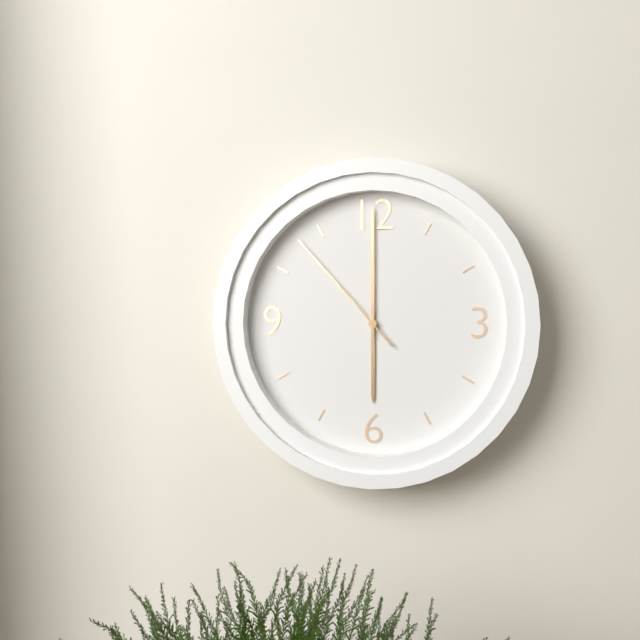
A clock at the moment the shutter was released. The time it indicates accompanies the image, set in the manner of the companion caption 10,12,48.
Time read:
6,00,53
